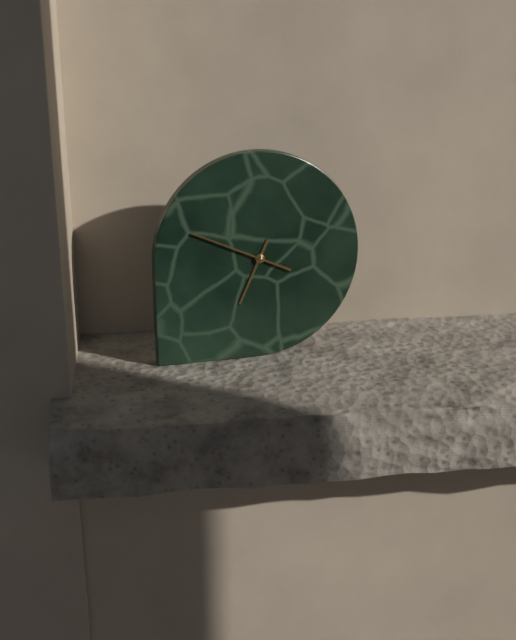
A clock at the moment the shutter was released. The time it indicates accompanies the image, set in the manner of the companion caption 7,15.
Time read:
6,49
